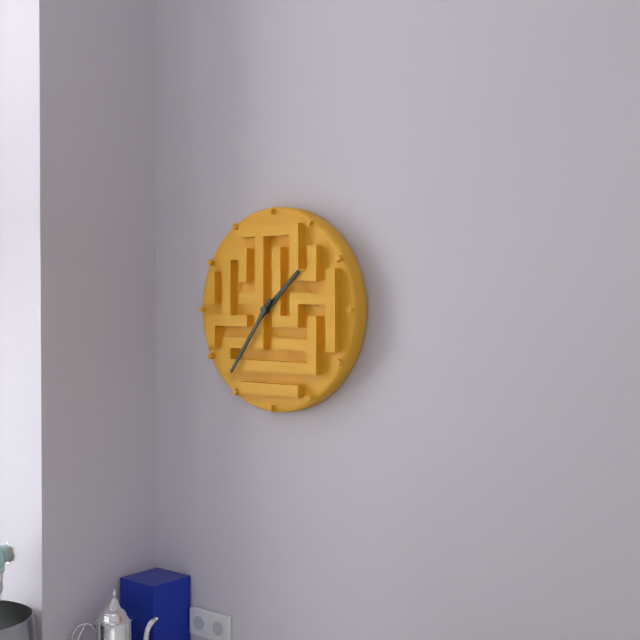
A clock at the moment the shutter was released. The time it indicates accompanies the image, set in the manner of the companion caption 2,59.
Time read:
1,36
